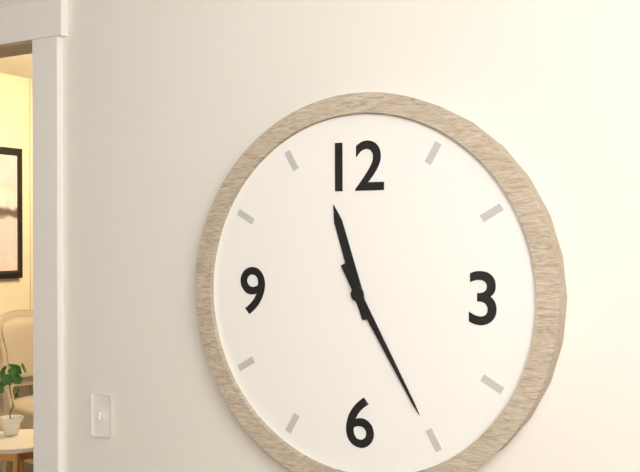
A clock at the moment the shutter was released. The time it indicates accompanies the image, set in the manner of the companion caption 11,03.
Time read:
11,25
